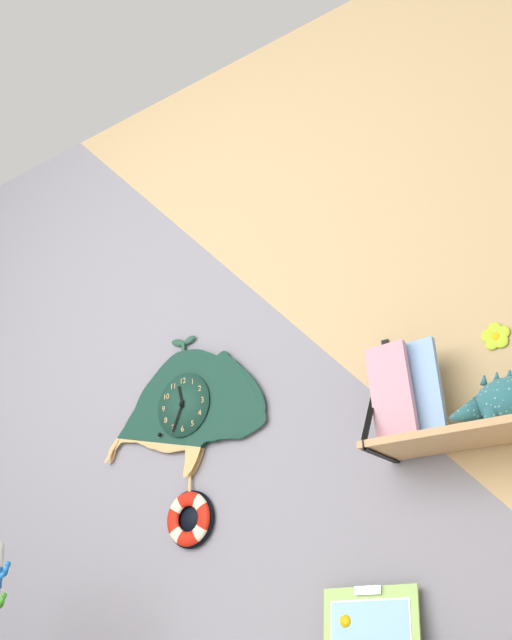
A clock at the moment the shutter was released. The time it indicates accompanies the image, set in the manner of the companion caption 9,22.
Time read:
11,34
